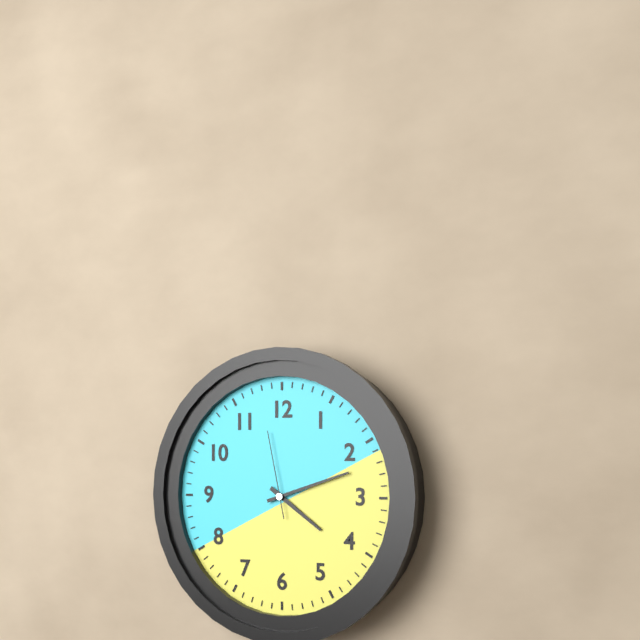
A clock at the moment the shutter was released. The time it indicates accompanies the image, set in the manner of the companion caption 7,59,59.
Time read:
4,12,58
